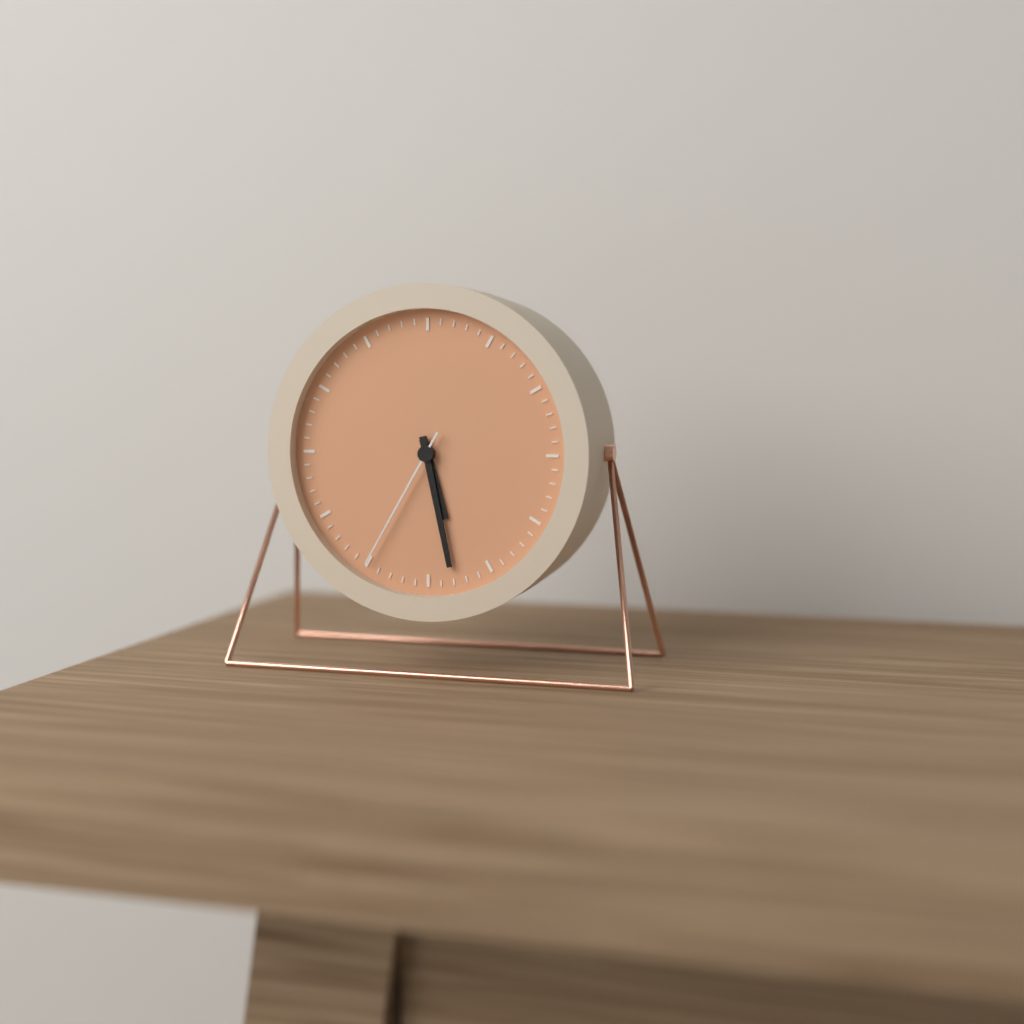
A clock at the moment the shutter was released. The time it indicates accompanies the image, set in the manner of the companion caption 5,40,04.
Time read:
5,28,35
